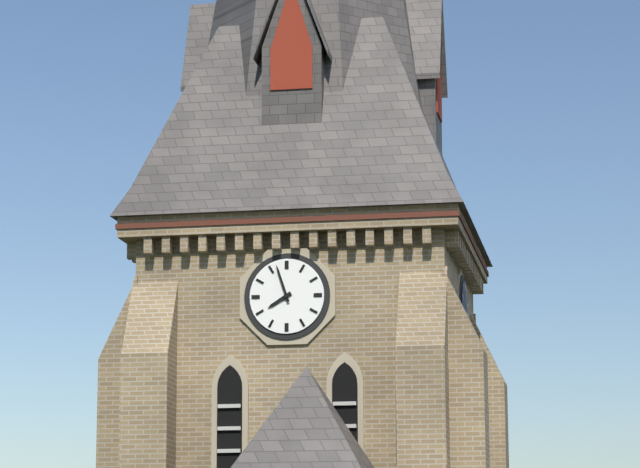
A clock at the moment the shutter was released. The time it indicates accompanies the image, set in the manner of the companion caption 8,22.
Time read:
7,57
